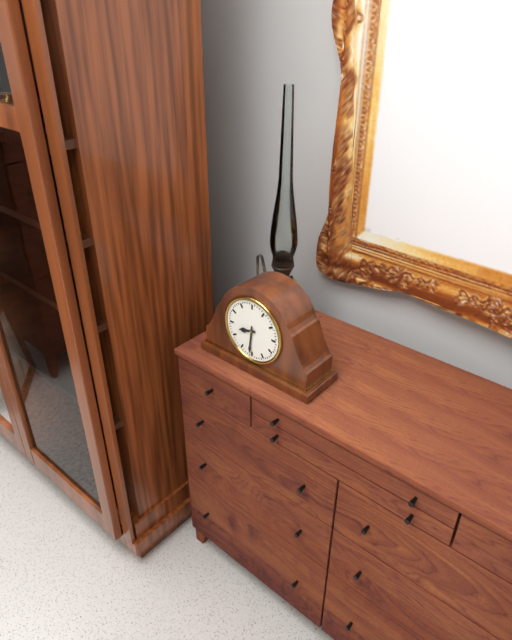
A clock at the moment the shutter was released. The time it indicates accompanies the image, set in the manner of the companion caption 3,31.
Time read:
8,31
